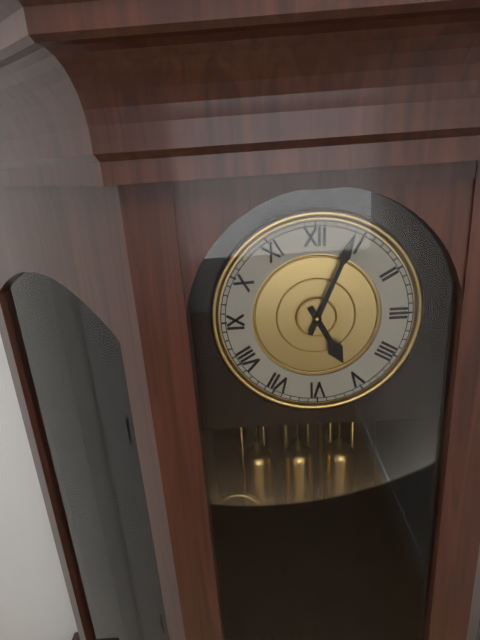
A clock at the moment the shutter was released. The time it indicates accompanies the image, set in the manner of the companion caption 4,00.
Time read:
5,04
